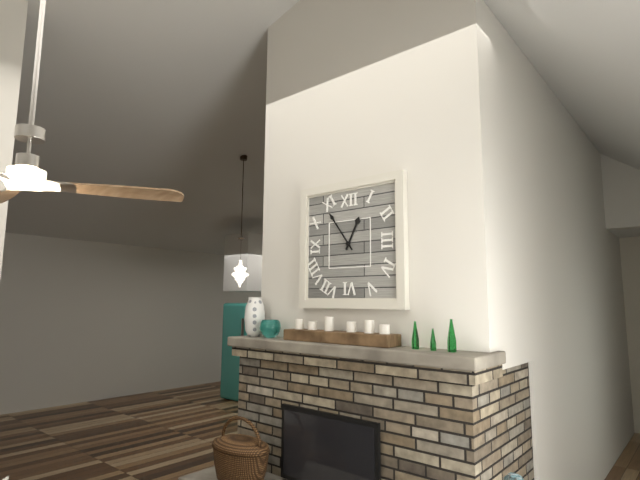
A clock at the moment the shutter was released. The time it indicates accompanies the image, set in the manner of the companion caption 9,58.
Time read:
12,54
